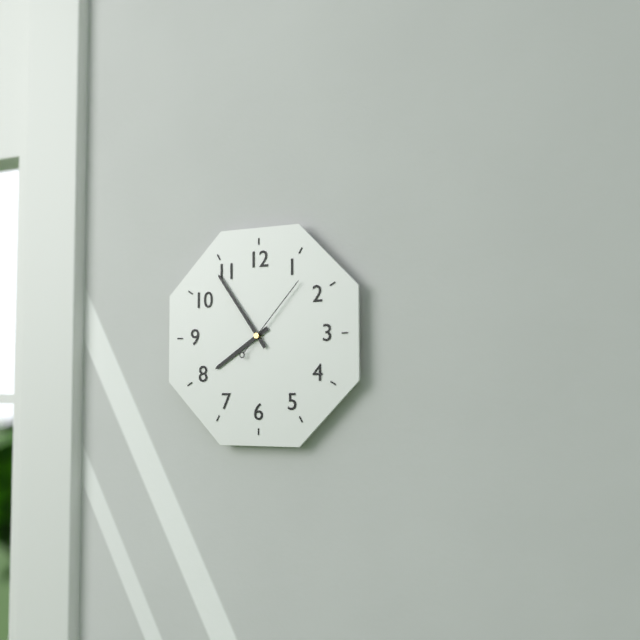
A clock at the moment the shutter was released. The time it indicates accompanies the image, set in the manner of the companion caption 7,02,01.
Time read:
7,54,07
